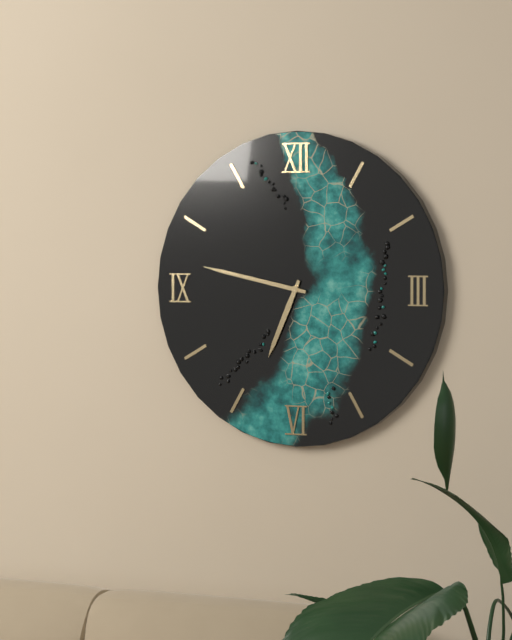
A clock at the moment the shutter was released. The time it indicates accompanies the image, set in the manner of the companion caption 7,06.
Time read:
6,47
